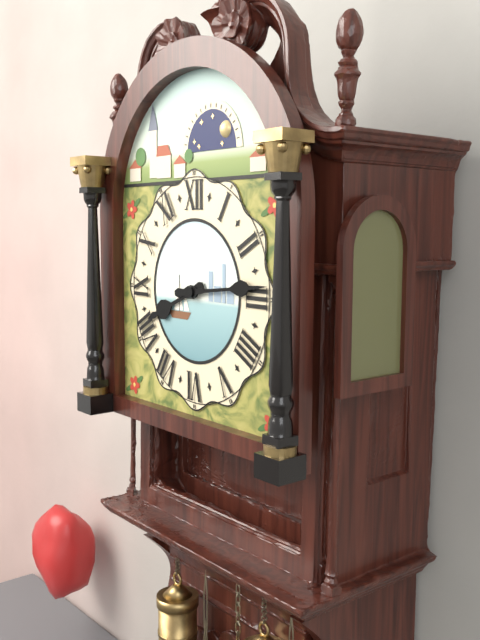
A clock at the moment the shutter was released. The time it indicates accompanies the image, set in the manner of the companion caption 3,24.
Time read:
8,14
